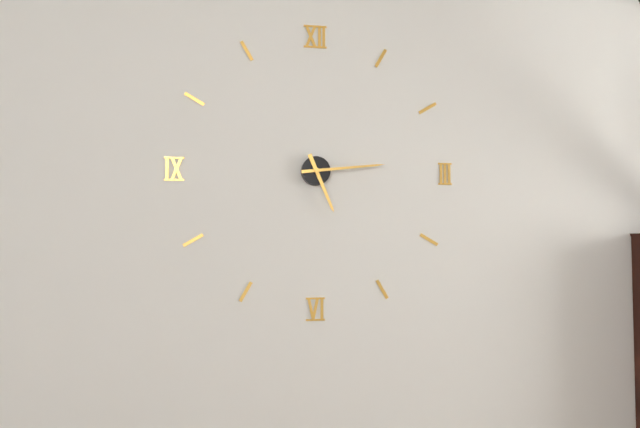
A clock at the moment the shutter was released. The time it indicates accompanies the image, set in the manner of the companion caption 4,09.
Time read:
5,14
